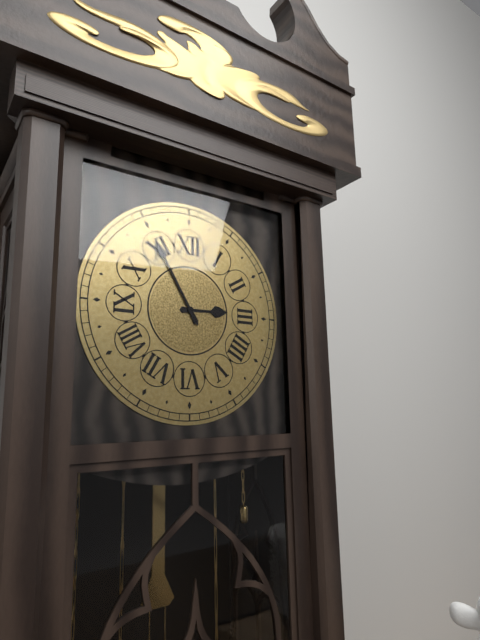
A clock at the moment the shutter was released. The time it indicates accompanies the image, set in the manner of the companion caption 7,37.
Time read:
2,55
